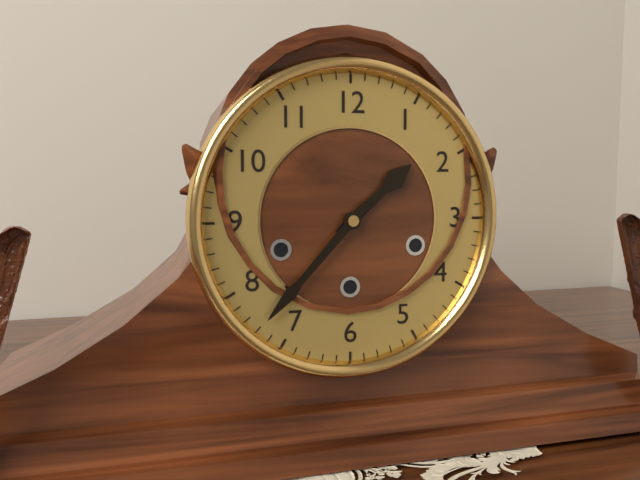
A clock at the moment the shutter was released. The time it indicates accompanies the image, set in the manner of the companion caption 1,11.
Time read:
1,37
